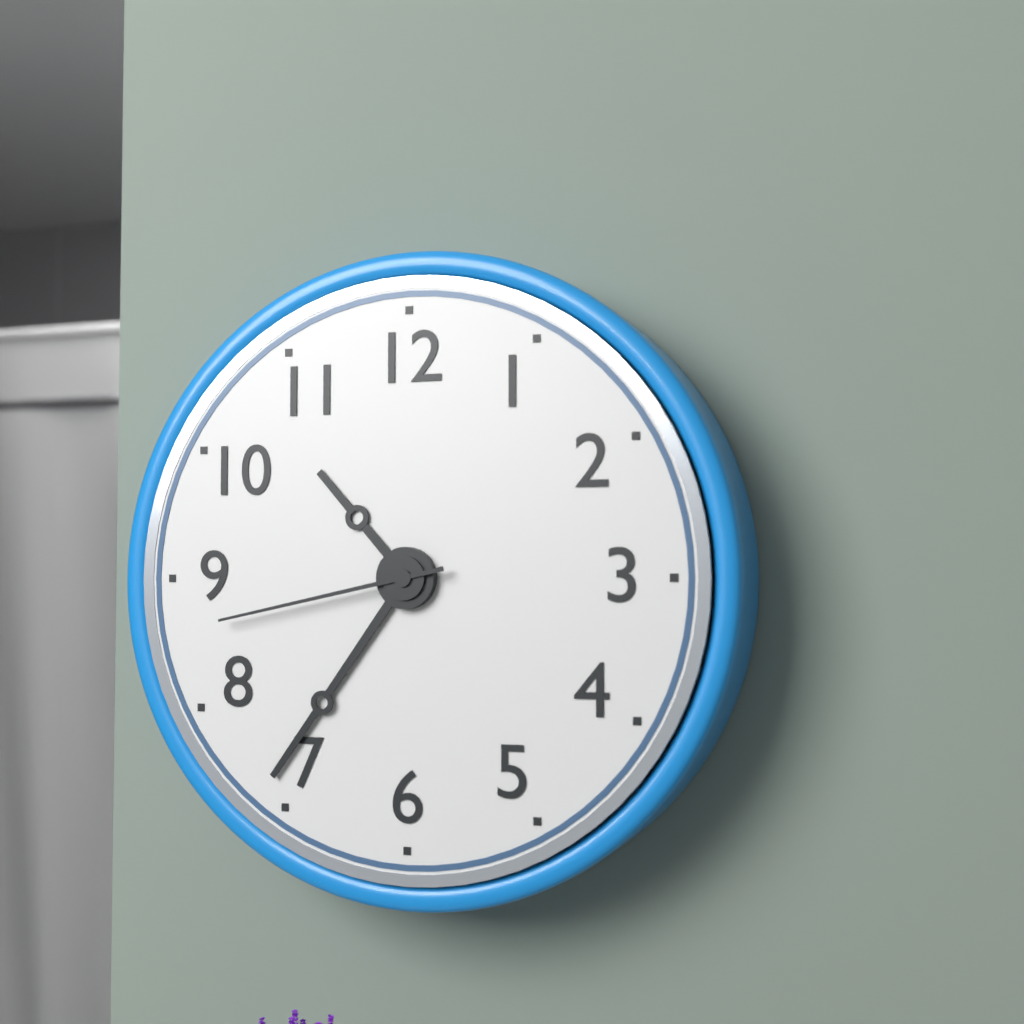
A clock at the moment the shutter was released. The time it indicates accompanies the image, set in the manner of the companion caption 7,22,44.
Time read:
10,36,43
